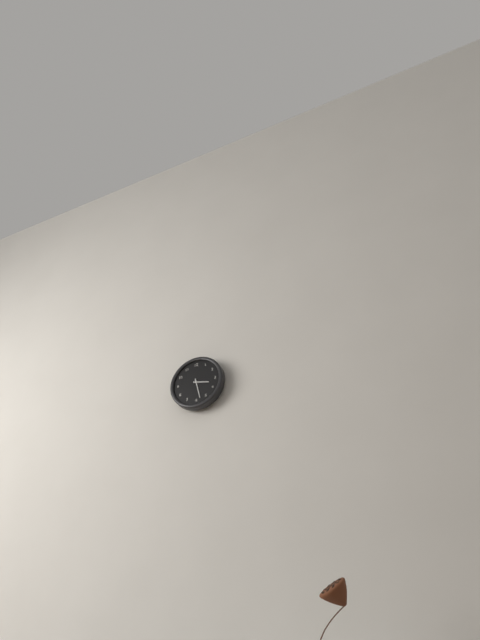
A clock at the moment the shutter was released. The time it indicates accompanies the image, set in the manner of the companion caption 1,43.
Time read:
3,28
